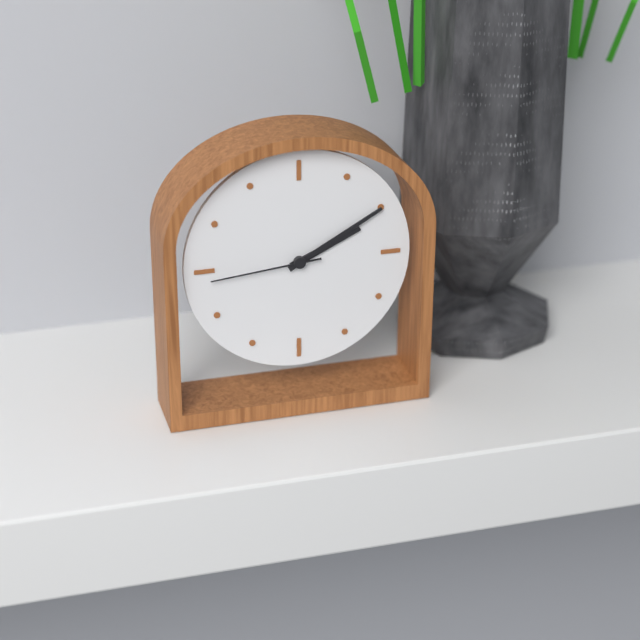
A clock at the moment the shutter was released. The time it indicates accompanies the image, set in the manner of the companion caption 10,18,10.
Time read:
2,10,44
